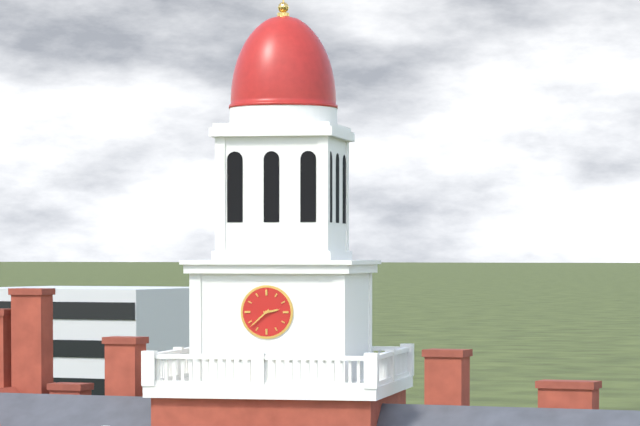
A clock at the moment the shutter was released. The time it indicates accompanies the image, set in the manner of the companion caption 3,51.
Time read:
2,38
